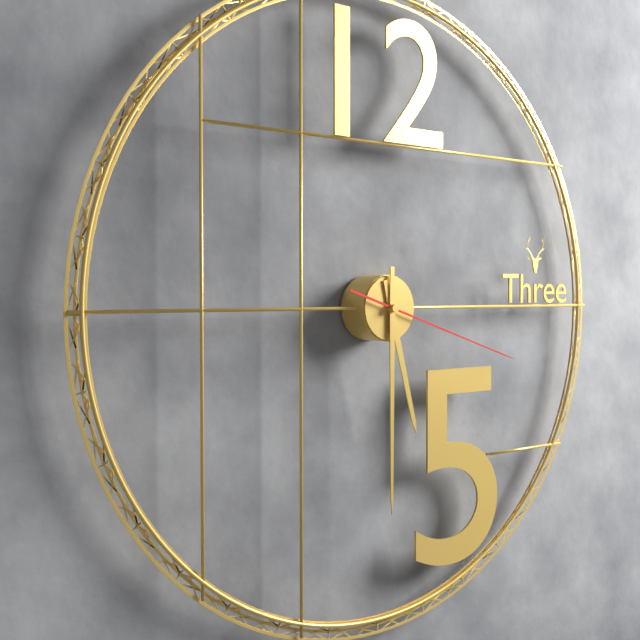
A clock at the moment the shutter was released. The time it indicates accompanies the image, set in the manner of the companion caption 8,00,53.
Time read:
5,30,18
